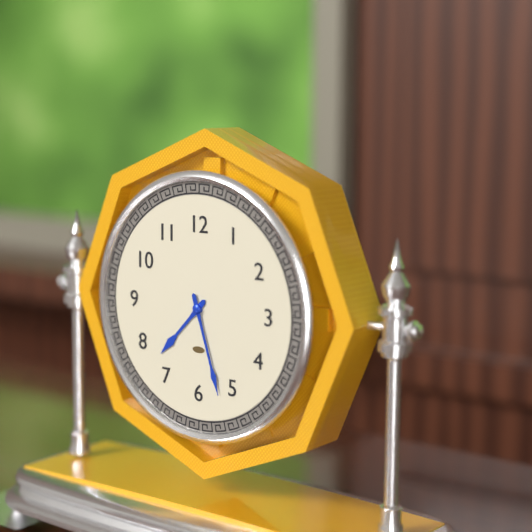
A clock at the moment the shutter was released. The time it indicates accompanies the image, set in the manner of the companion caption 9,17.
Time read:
7,27
